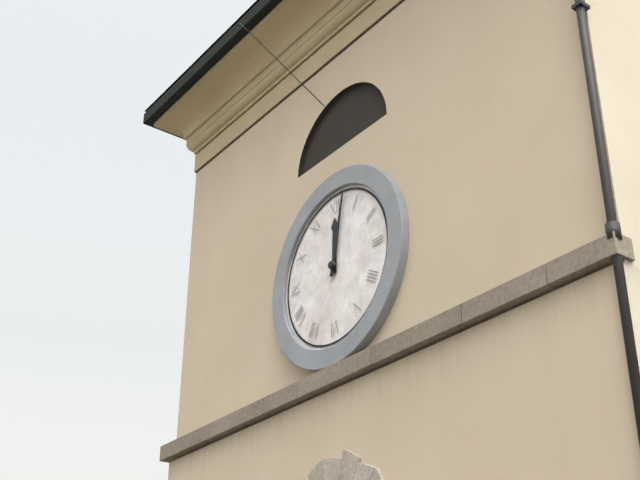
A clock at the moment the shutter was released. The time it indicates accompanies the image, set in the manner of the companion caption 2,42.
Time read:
12,02
